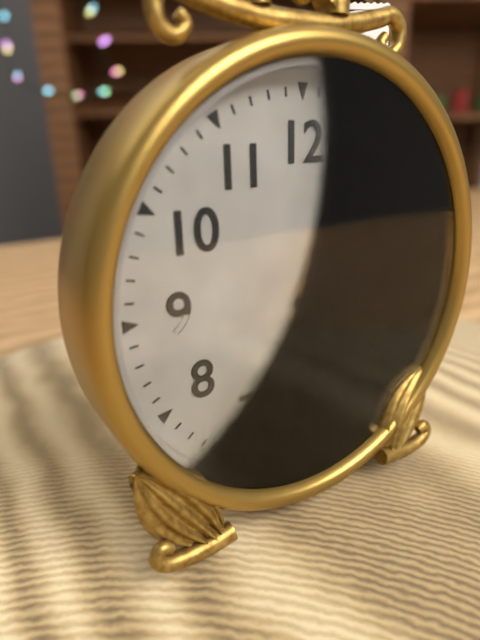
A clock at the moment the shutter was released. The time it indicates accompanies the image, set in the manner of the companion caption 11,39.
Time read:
1,03
